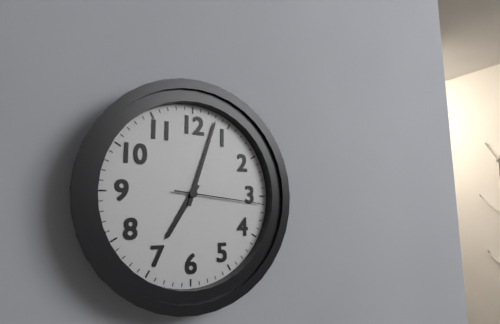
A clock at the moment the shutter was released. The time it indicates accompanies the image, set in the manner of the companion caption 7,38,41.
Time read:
7,03,16
